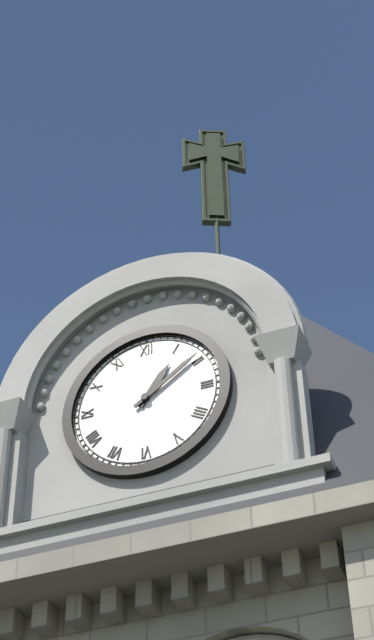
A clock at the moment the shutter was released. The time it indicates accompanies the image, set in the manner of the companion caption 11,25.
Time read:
1,09
